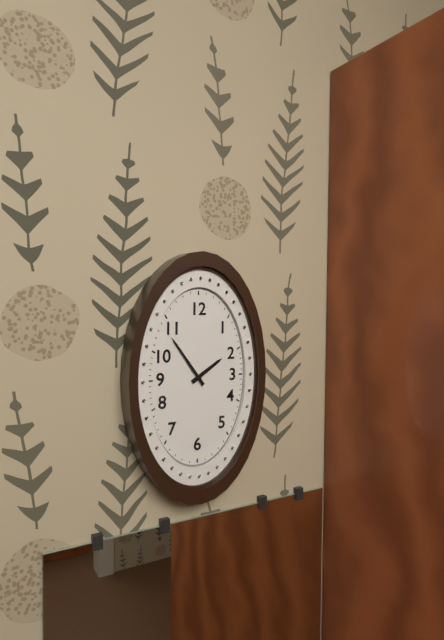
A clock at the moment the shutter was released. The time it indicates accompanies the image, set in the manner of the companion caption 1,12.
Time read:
1,54
